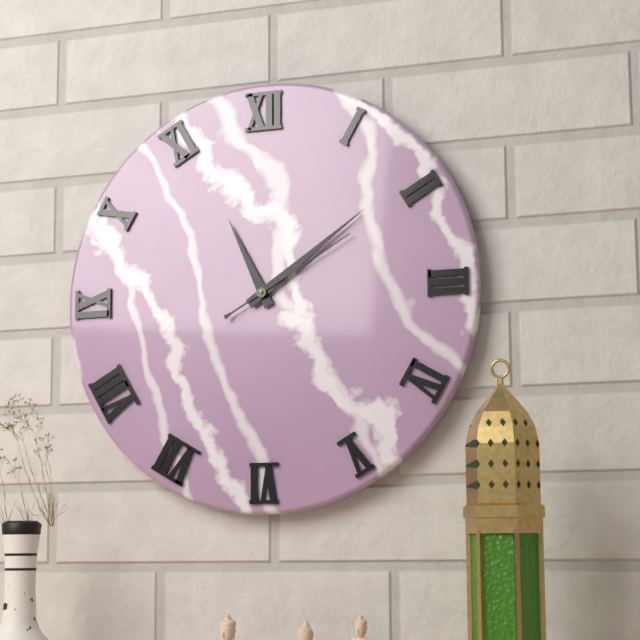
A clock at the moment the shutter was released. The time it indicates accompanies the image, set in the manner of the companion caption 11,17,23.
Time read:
11,09,10
